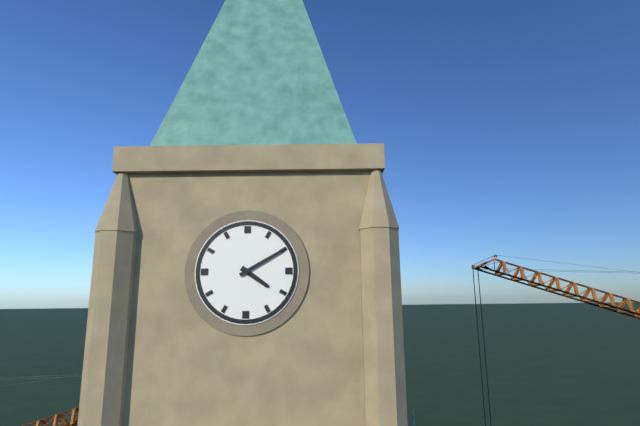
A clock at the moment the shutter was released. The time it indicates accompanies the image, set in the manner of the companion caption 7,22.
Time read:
4,10
